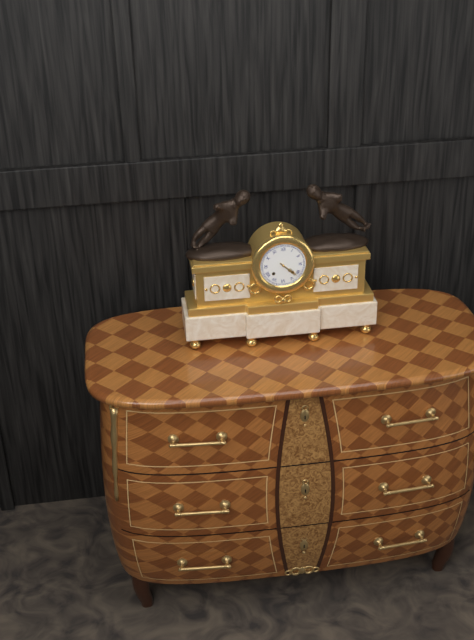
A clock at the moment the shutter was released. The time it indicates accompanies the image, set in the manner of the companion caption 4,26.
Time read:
4,22
